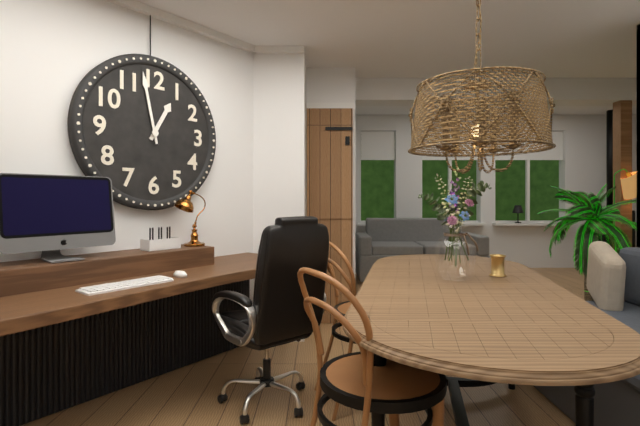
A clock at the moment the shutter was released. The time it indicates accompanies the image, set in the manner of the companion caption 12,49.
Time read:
12,58
